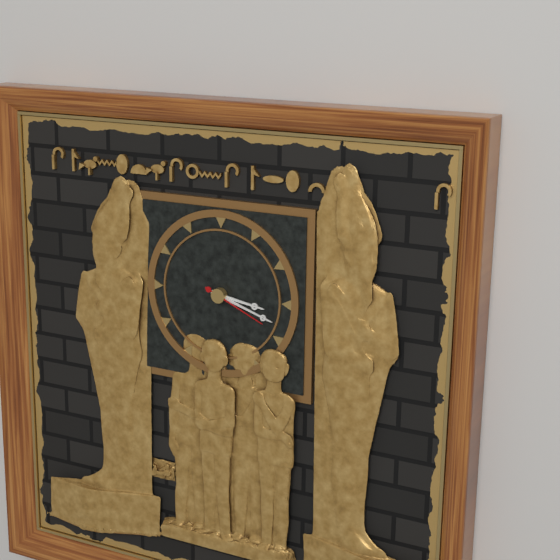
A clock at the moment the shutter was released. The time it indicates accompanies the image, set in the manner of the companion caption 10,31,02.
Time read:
3,18,19
